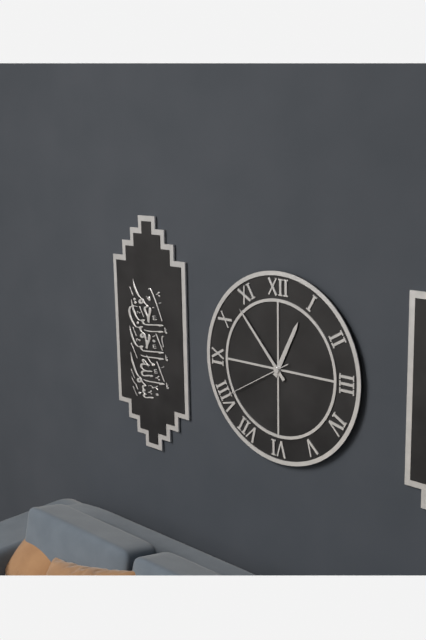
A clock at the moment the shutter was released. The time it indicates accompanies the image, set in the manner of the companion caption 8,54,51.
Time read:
12,53,40
